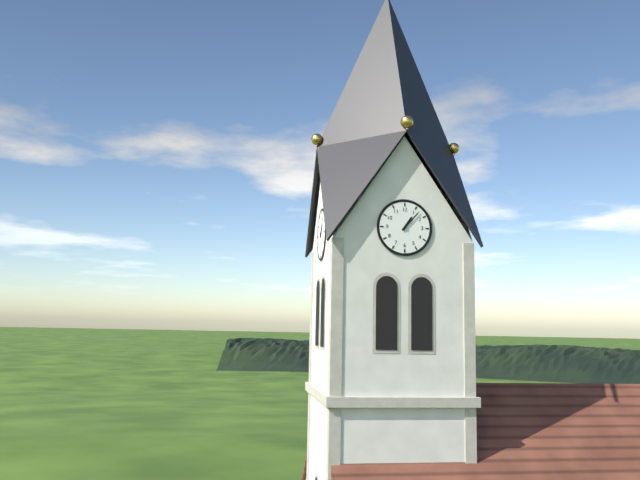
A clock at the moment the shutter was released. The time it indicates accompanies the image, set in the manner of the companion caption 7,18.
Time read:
1,07
